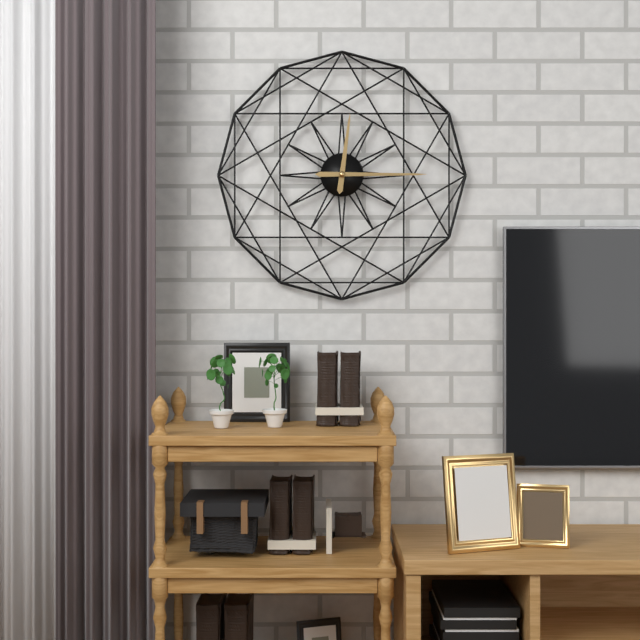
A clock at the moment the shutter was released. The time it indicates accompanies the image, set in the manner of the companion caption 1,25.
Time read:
12,15
